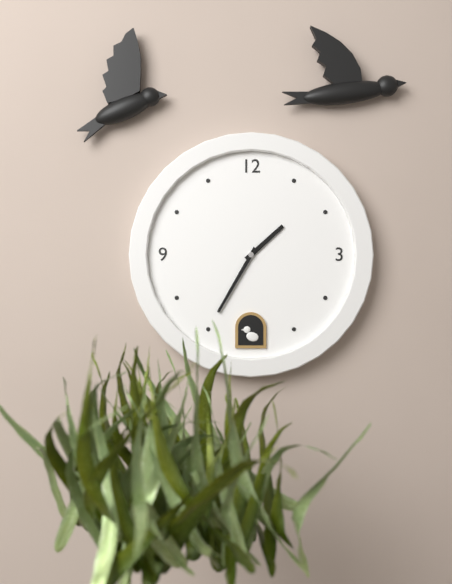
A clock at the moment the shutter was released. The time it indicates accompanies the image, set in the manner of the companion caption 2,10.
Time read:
1,35
